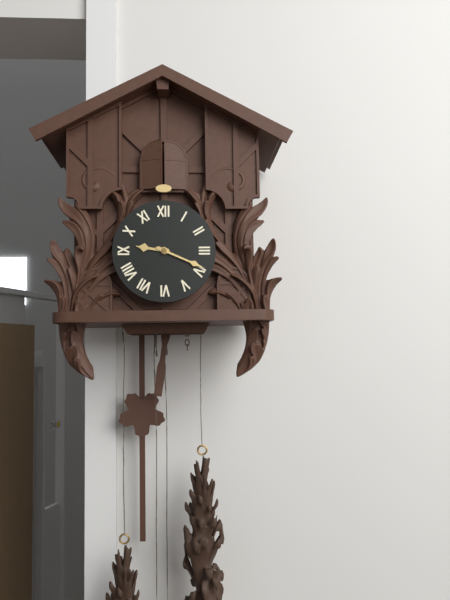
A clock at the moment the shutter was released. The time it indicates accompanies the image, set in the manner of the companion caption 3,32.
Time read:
9,19
